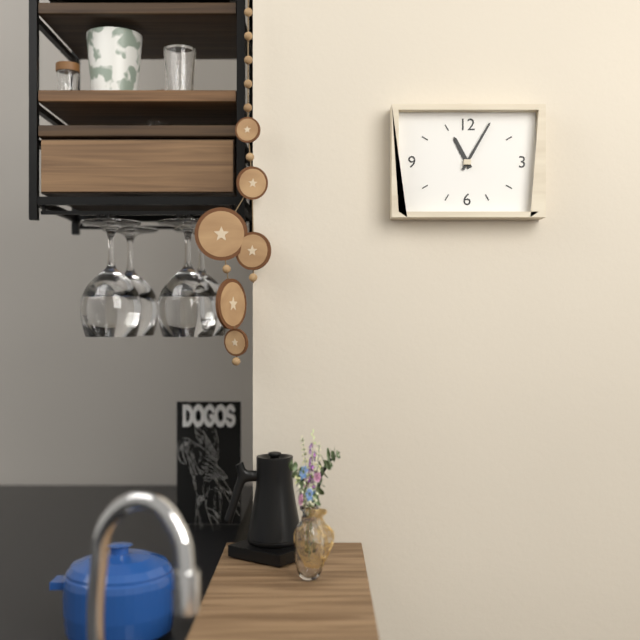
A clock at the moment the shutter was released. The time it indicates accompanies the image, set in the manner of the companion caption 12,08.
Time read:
11,05
